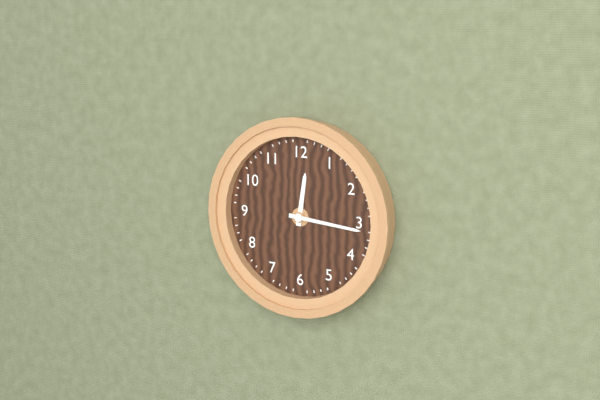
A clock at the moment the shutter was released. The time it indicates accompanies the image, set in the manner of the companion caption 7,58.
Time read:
12,16
